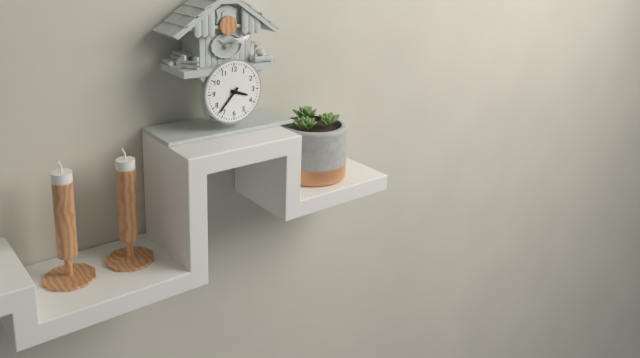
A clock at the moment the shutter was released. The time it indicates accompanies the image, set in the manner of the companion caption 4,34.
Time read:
3,37
